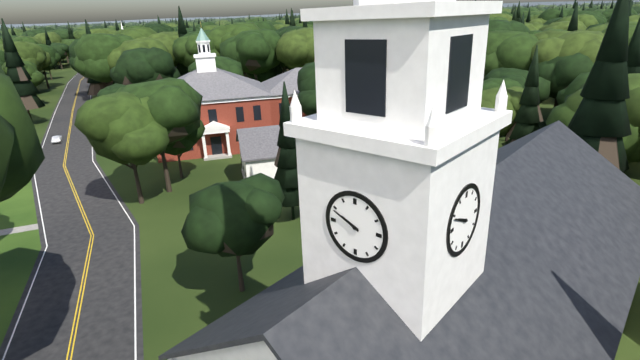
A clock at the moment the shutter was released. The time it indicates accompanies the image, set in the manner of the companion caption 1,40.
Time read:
9,49
